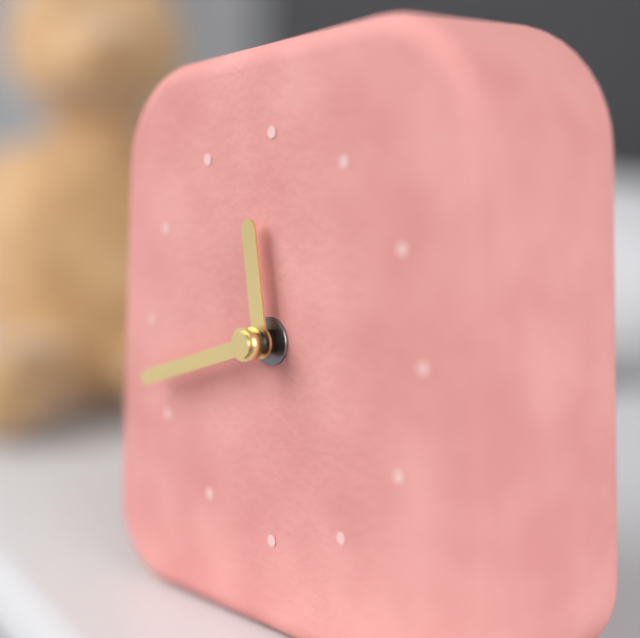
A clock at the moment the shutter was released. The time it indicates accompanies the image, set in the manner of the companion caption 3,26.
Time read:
11,42
